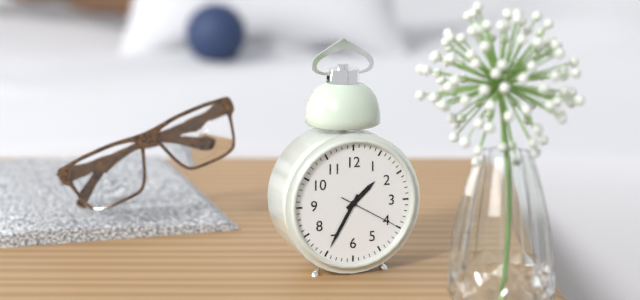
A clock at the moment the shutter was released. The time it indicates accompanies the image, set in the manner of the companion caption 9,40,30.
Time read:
1,35,20
